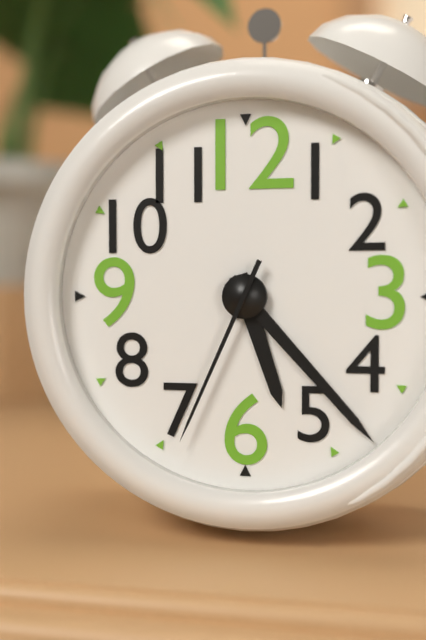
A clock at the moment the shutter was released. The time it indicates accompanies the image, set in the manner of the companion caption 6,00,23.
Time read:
5,23,34
